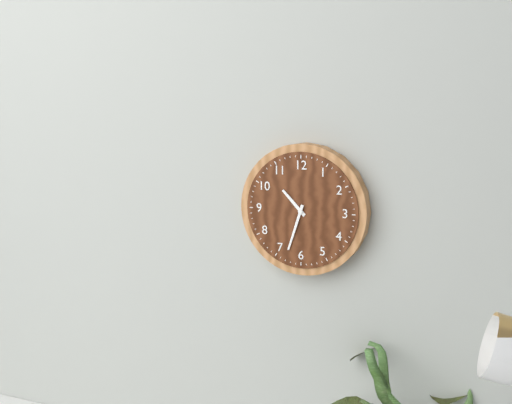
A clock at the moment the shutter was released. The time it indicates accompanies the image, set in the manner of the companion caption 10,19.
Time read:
10,33
